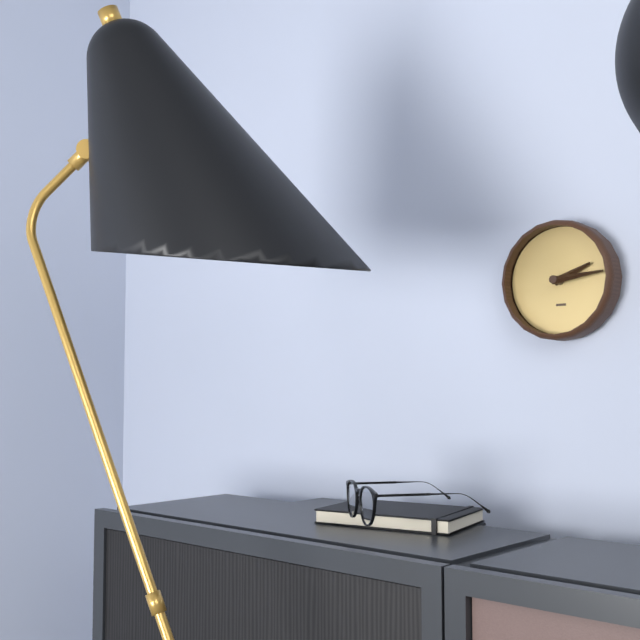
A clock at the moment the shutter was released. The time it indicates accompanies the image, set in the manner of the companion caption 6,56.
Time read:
2,14
